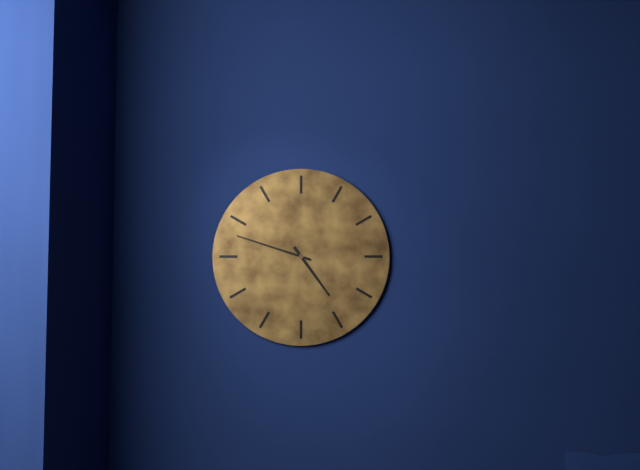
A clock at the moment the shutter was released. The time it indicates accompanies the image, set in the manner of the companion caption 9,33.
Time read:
4,48
